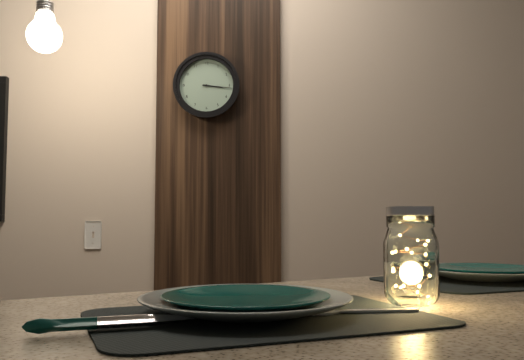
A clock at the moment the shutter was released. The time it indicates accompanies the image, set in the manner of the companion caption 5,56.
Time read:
3,16
